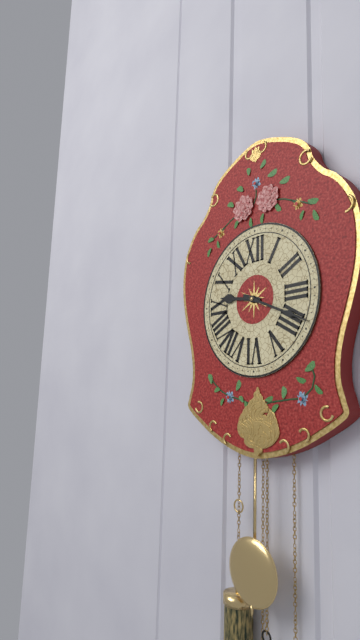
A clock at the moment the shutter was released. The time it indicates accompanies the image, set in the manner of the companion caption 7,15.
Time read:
9,19
